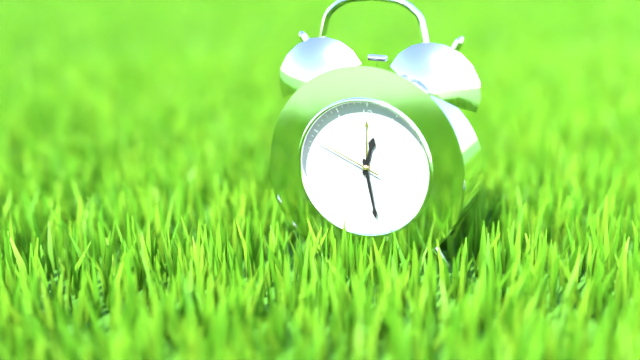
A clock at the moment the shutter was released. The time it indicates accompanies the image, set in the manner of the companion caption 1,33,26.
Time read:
12,28,49
